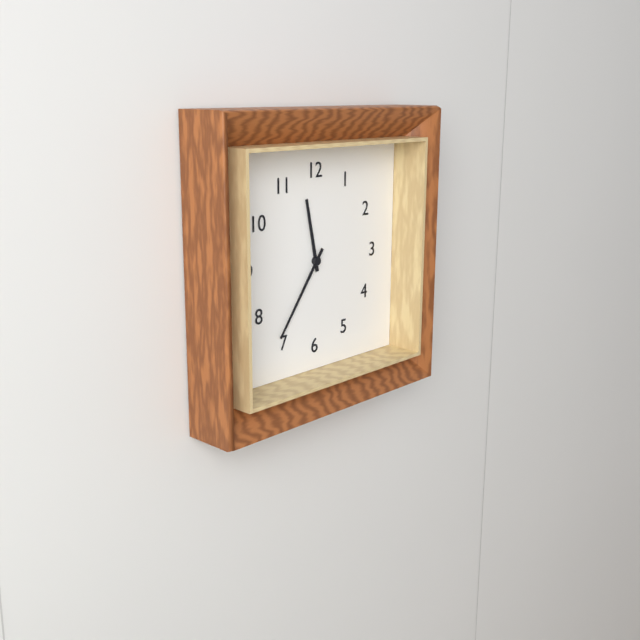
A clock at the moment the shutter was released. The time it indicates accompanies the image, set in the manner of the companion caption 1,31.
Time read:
11,36
